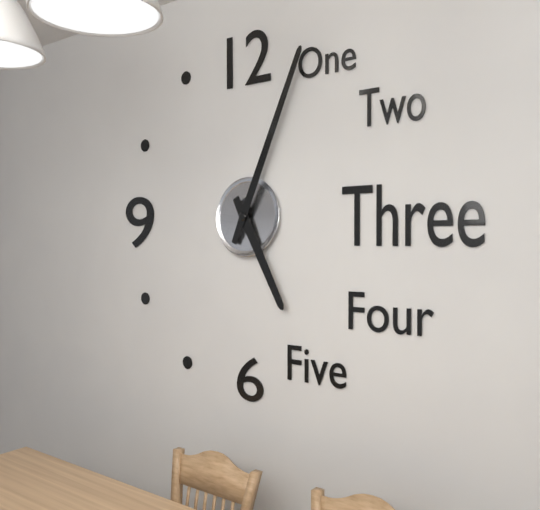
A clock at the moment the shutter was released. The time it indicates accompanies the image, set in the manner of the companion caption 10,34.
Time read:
5,04
